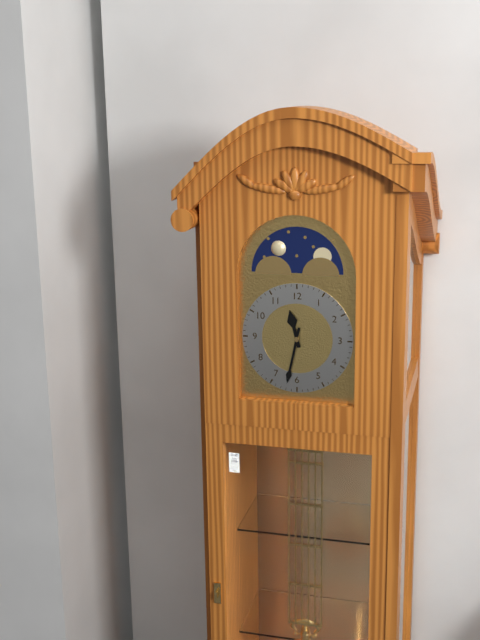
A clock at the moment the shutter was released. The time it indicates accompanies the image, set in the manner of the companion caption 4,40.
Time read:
11,32
